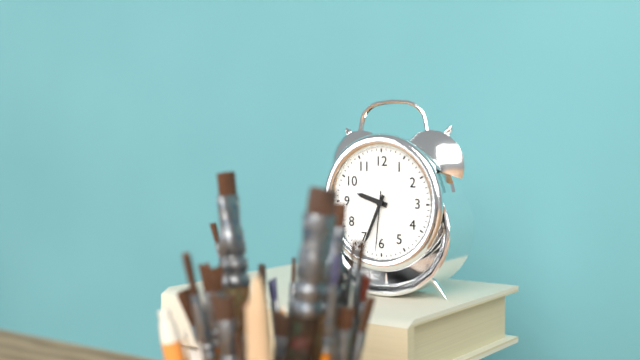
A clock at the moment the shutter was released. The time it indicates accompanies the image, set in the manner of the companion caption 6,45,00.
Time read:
9,34,31
